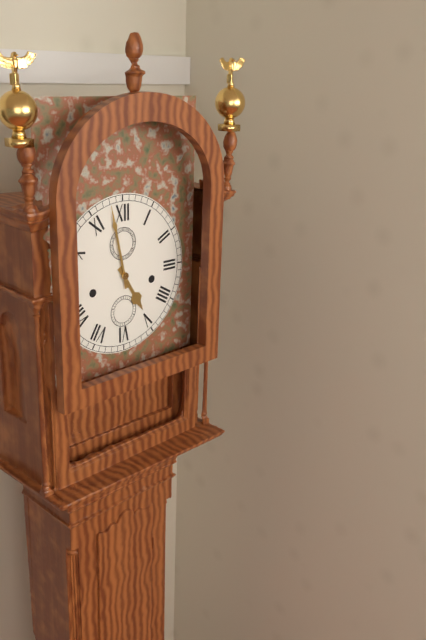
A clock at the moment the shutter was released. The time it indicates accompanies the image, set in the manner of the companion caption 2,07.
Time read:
4,58
